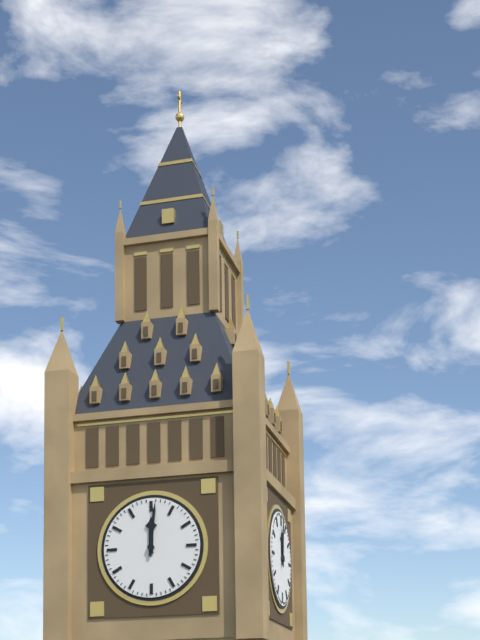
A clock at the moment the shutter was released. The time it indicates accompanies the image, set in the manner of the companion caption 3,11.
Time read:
12,01
